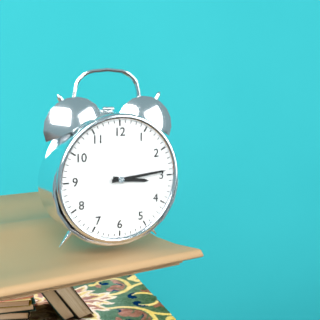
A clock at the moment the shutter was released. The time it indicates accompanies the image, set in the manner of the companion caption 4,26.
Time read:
3,14
